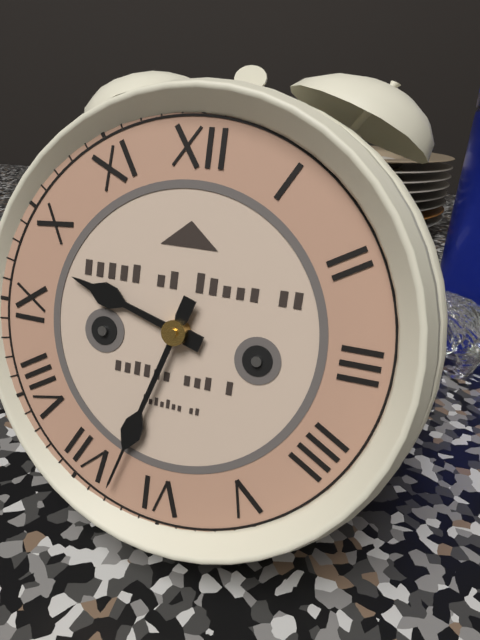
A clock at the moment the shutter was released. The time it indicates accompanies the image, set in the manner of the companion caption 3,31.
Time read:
9,33
